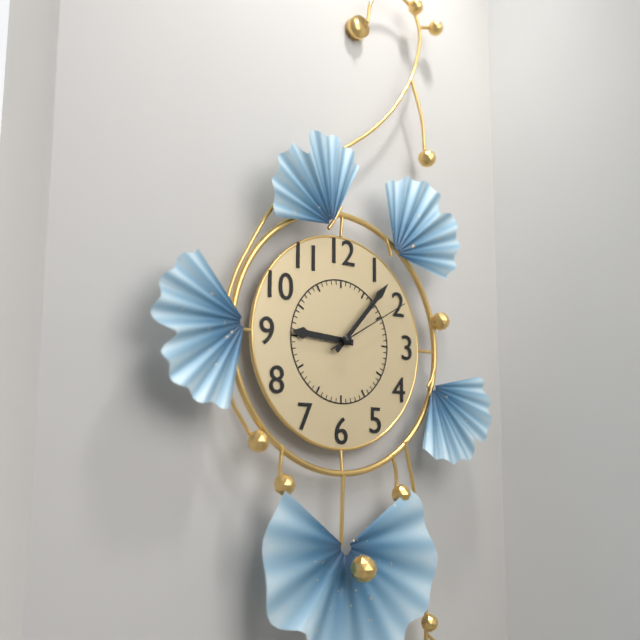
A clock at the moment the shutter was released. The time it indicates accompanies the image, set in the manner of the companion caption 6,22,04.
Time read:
9,07,10
